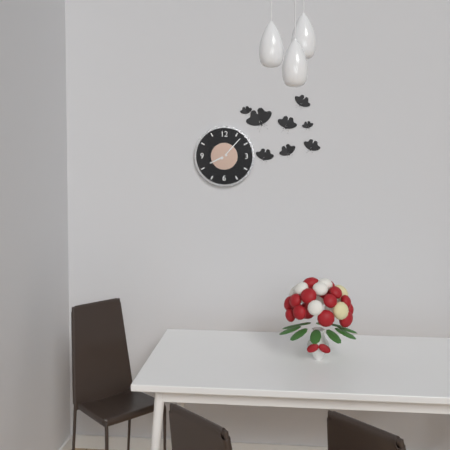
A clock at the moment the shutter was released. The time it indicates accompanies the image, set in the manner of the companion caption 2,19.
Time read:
8,07
